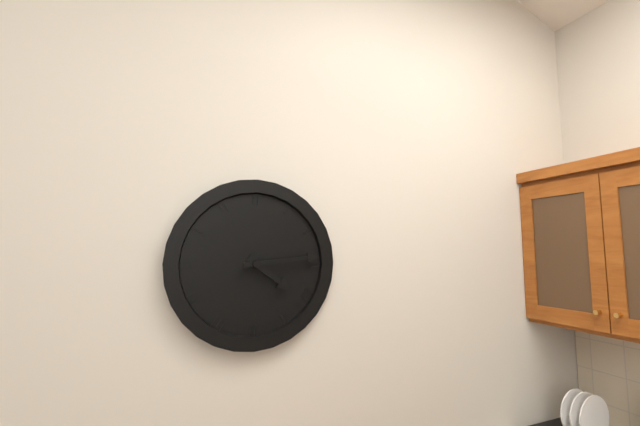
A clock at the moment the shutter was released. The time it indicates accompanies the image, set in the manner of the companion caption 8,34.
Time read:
4,14
